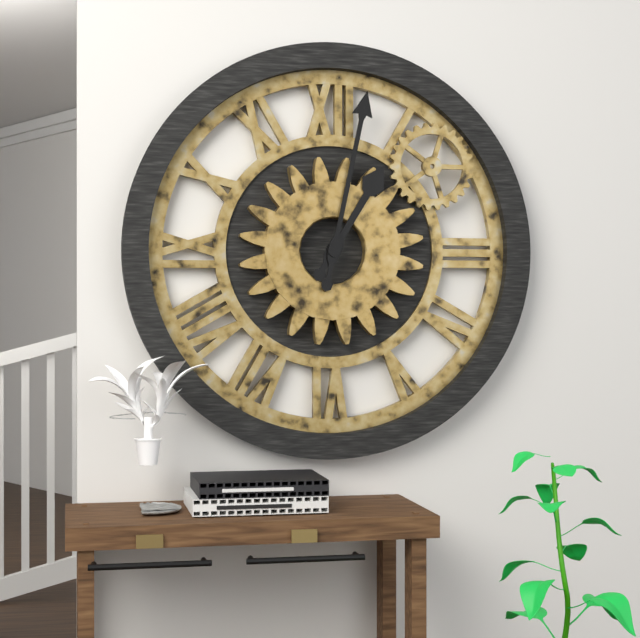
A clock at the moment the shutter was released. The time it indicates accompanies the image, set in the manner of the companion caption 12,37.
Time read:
1,02
